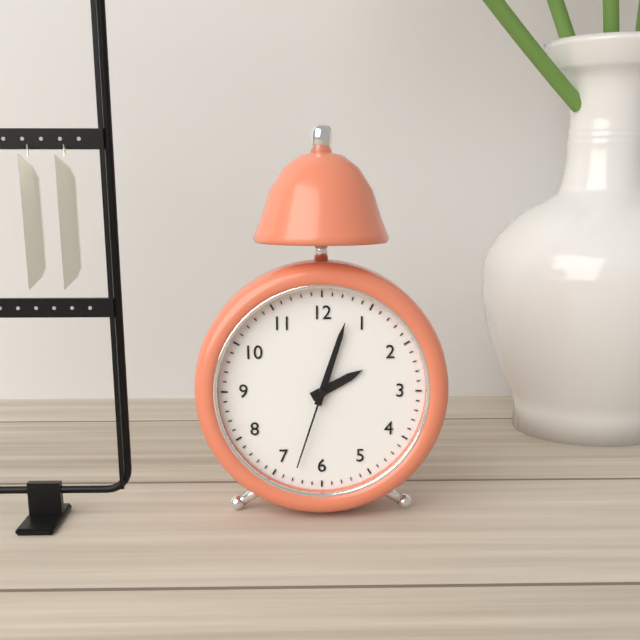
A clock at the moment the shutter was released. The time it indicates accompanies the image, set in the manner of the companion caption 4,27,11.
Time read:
2,03,33
